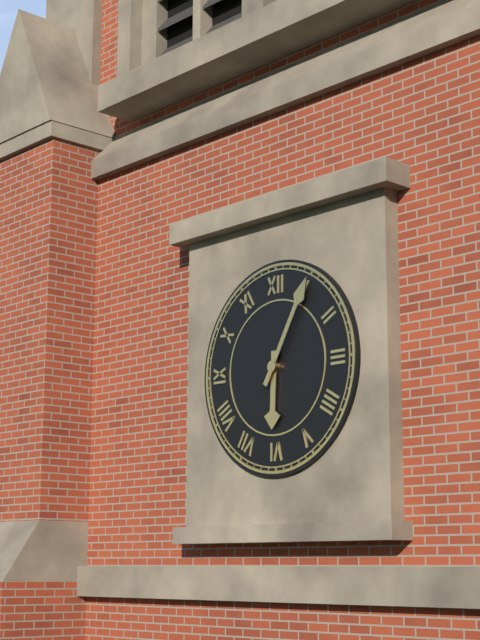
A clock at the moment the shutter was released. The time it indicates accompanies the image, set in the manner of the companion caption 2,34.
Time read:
6,05
